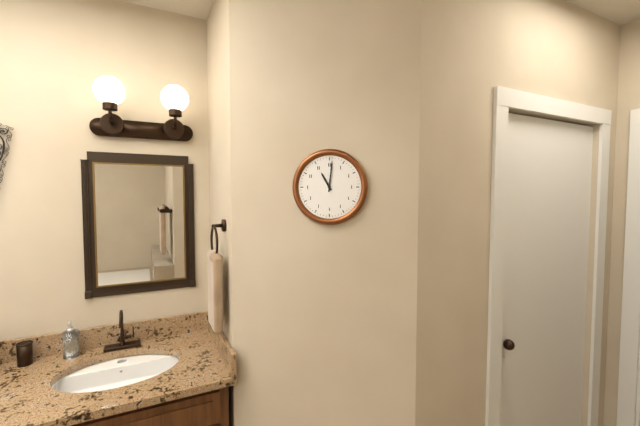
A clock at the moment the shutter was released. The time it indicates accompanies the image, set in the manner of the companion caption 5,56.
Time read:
11,01
